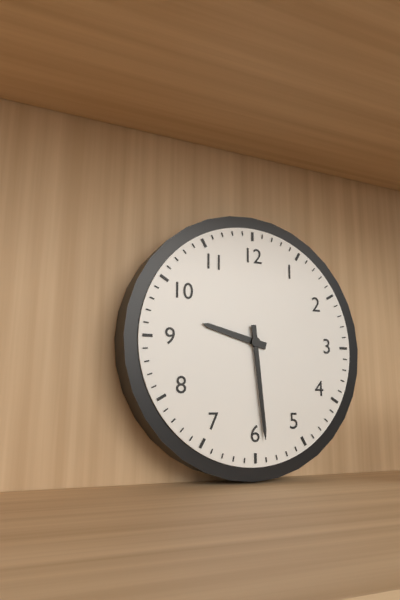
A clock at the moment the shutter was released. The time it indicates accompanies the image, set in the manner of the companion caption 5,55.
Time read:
9,29
